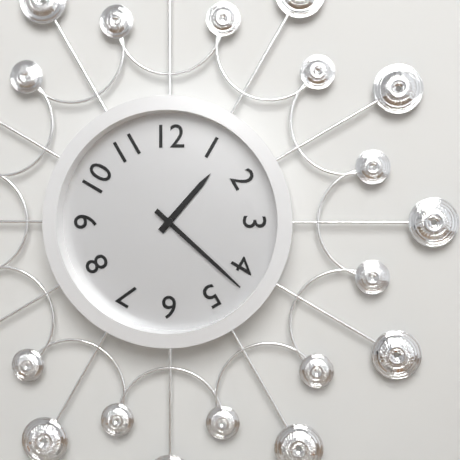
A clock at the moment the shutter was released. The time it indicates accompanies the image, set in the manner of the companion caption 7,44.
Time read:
1,22
